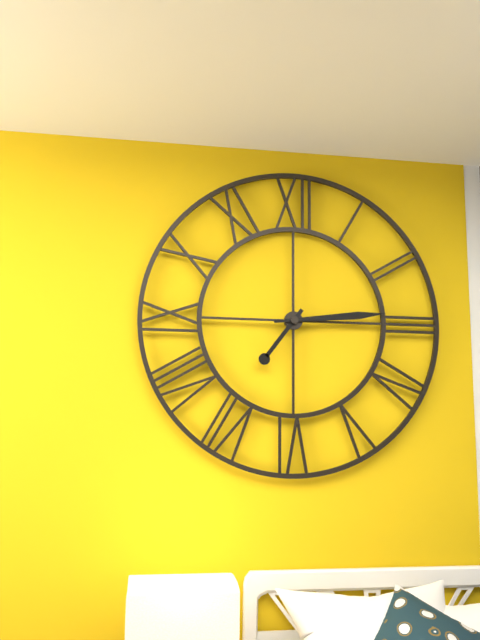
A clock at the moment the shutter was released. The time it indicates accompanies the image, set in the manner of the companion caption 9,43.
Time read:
7,14
